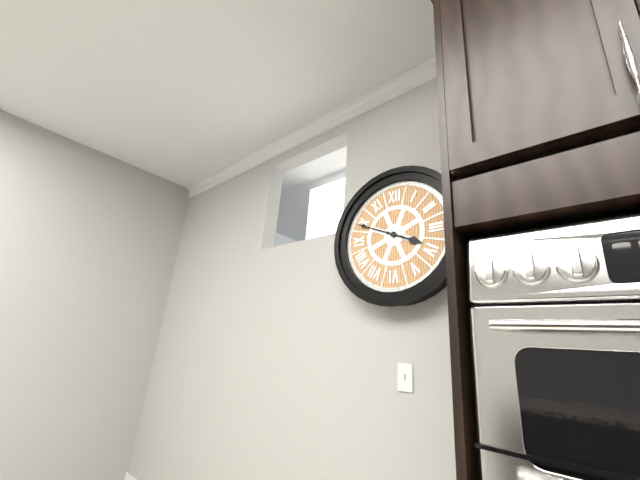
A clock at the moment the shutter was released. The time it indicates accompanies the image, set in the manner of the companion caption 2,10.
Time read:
3,49
